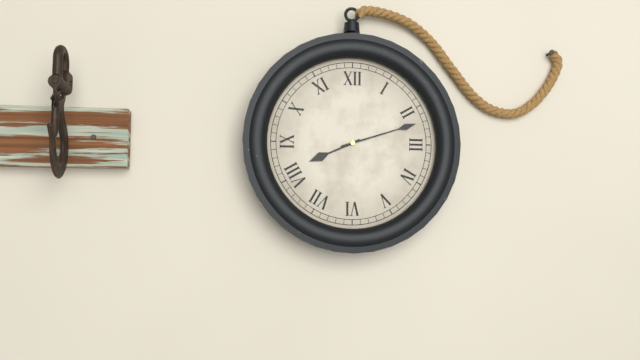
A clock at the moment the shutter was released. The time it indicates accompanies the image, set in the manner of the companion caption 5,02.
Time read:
8,12
